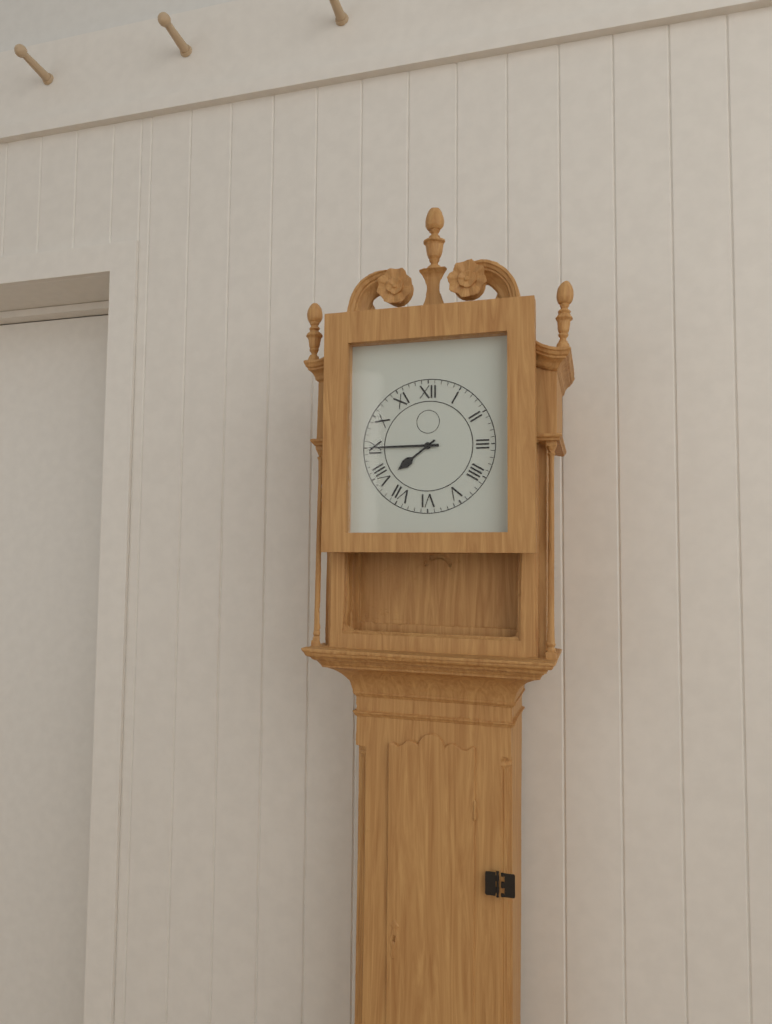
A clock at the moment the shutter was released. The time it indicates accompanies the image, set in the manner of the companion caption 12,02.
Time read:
7,45
